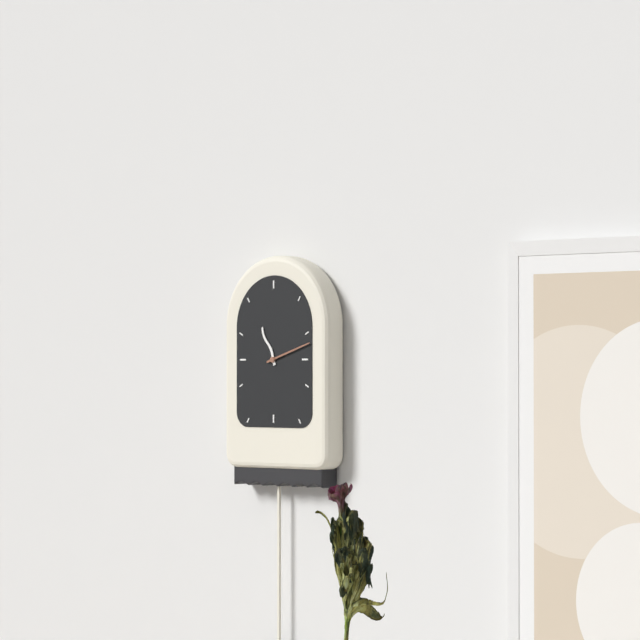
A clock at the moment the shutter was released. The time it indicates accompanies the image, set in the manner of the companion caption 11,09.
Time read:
11,12
